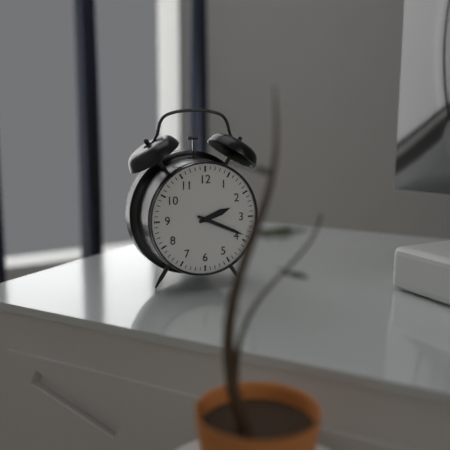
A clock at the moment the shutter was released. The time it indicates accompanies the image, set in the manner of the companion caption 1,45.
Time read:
2,19
